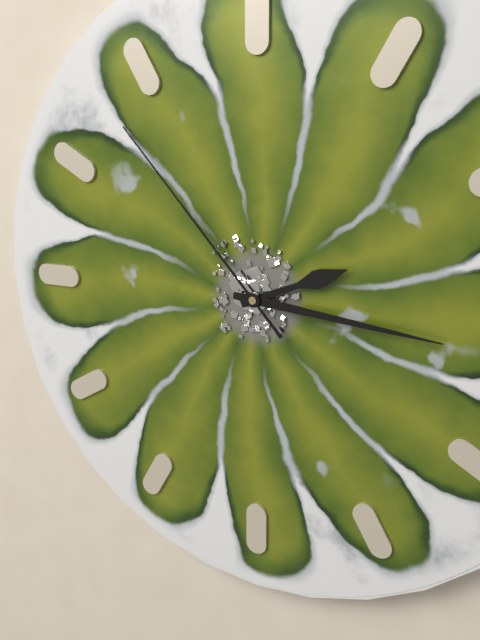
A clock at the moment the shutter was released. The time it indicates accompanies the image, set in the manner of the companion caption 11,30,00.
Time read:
2,16,53
